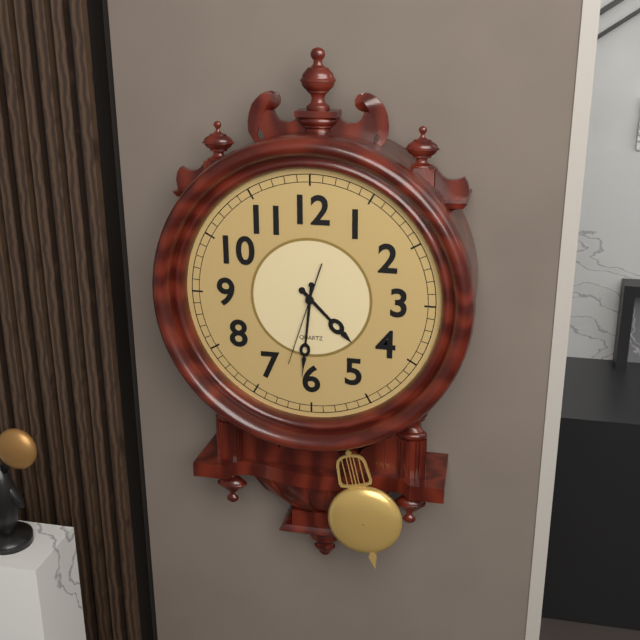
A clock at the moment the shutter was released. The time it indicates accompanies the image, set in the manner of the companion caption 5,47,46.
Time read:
4,31,33
